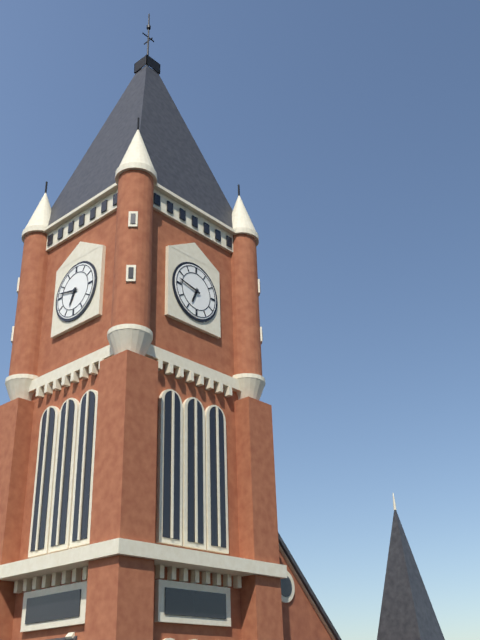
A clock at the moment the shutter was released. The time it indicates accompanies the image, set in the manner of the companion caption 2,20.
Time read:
6,47
